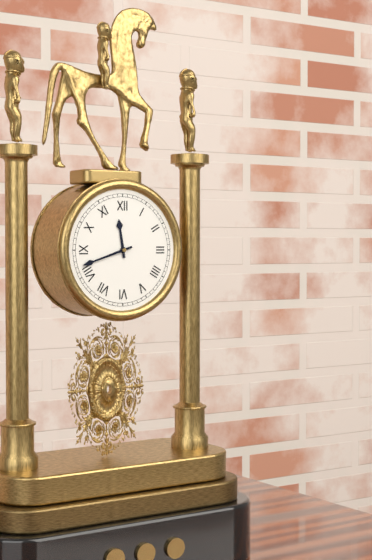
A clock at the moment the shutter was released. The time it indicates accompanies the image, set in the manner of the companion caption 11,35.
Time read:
11,42
